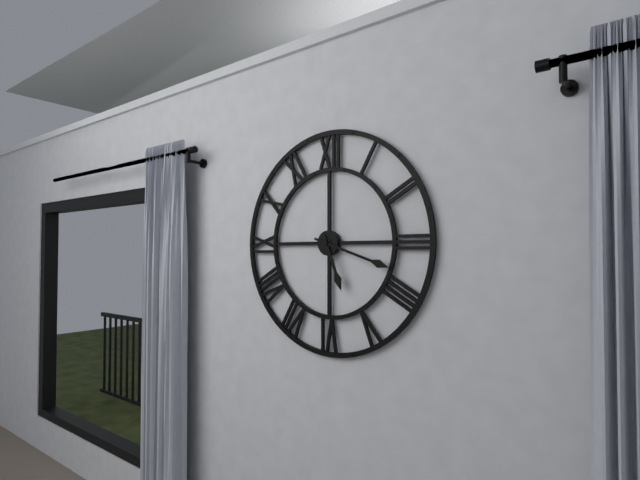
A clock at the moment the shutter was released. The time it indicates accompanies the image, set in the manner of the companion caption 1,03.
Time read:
5,18
